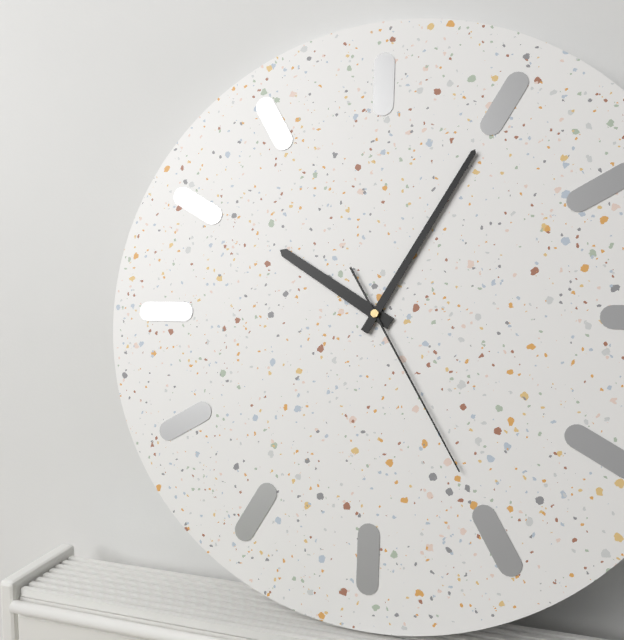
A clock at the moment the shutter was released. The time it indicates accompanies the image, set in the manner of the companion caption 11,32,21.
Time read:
10,05,25
